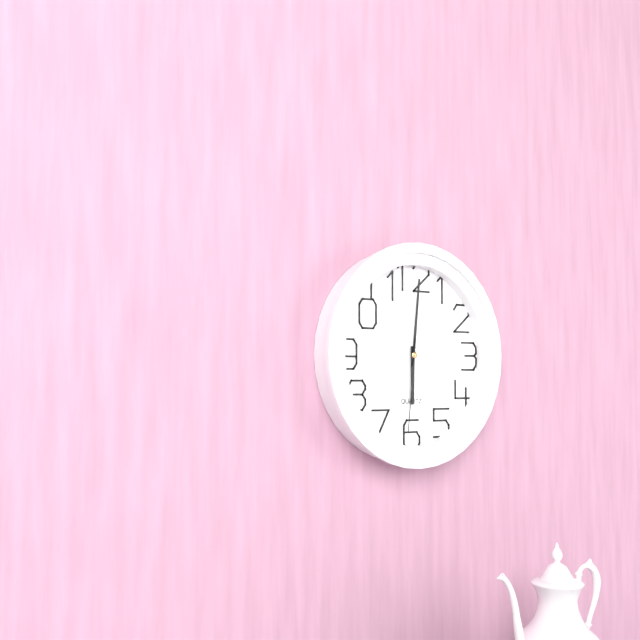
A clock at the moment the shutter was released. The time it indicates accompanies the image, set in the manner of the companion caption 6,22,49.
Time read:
6,01,31
